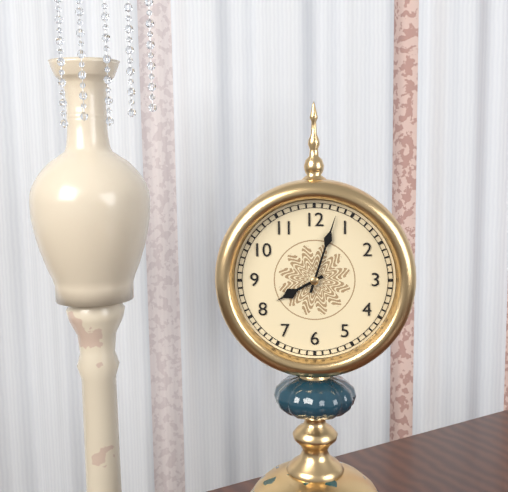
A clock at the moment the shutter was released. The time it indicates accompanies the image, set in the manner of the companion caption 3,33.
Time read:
8,03
